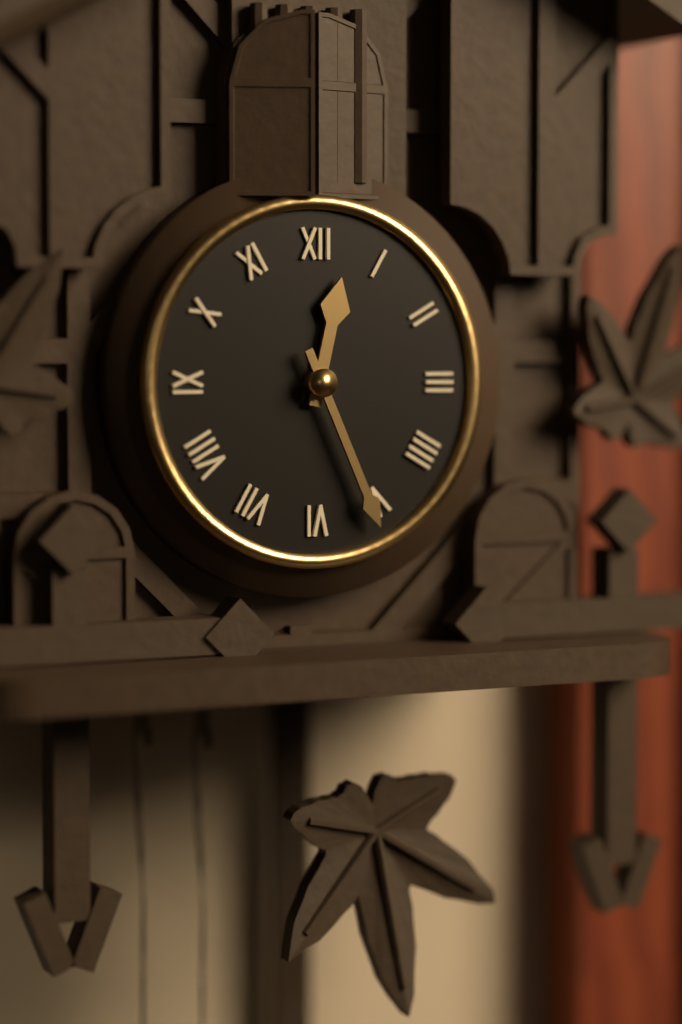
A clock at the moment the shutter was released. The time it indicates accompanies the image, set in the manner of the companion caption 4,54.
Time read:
12,26
